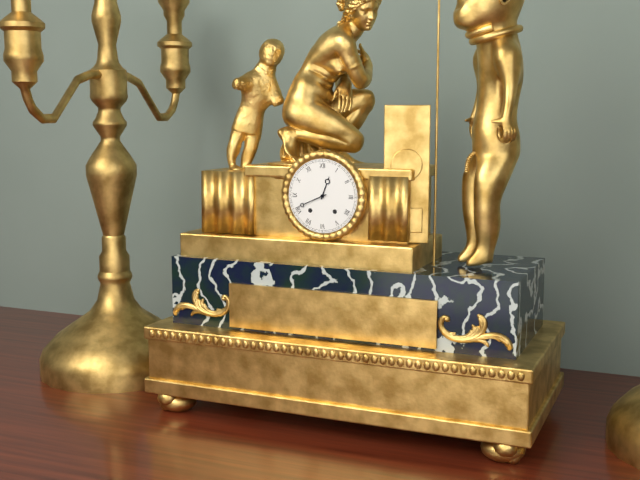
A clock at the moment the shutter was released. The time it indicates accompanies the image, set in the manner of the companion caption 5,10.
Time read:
12,41
